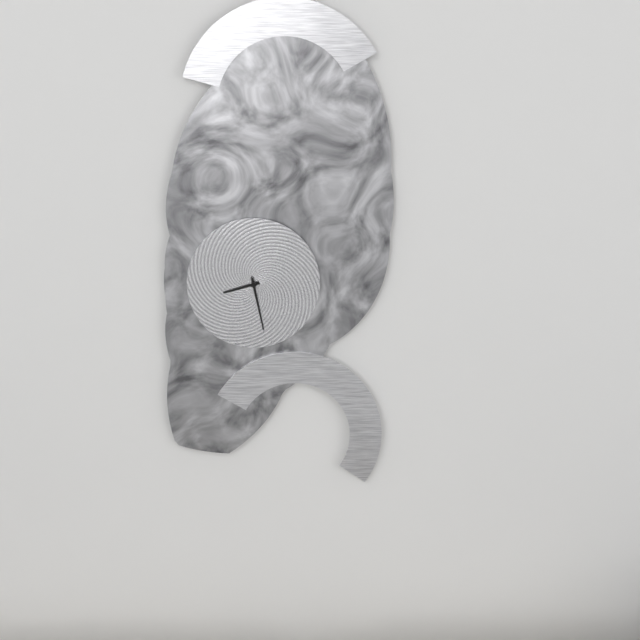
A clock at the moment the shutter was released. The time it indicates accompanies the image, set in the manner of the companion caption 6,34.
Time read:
8,28
